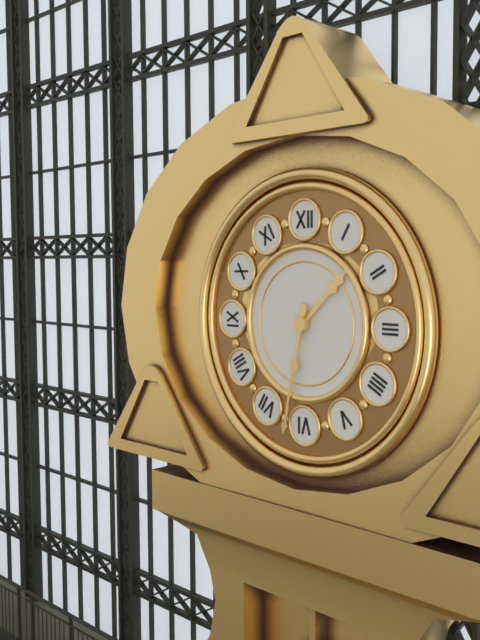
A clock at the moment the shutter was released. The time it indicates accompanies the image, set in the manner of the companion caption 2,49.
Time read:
1,32
